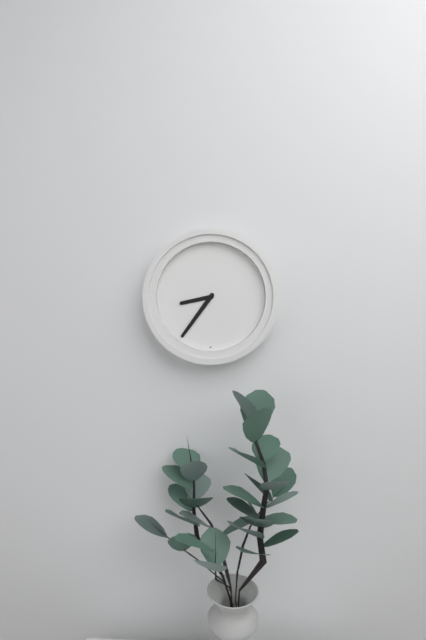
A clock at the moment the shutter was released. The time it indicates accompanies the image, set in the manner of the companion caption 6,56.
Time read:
8,36
